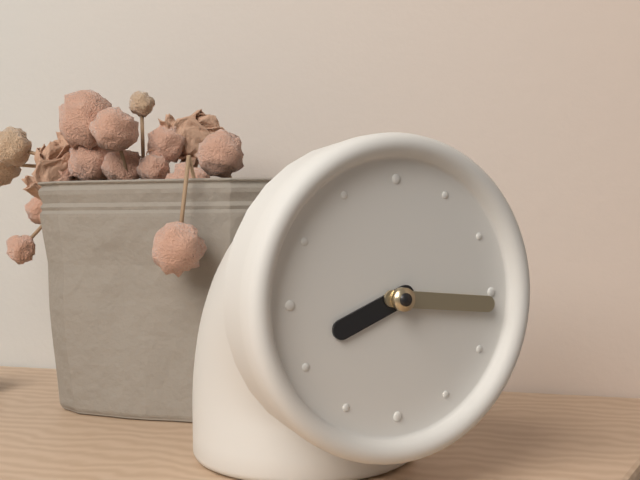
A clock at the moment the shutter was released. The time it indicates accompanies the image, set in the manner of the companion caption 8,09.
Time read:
8,16
